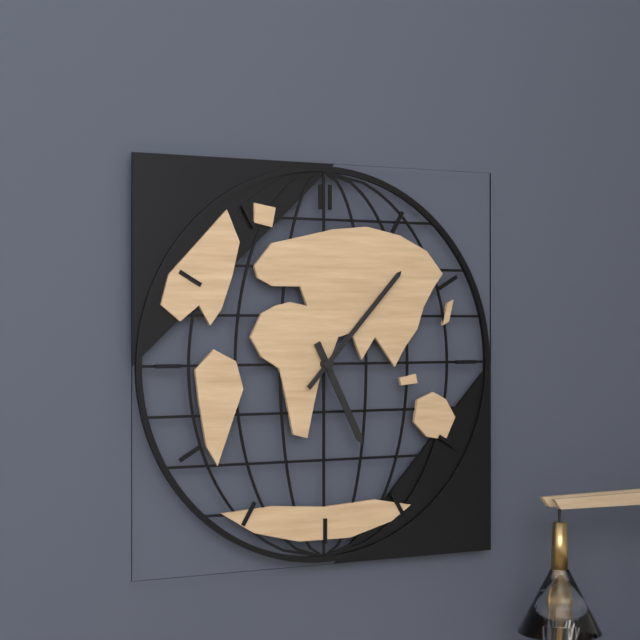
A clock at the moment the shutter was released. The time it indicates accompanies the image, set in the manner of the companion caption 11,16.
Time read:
5,07
